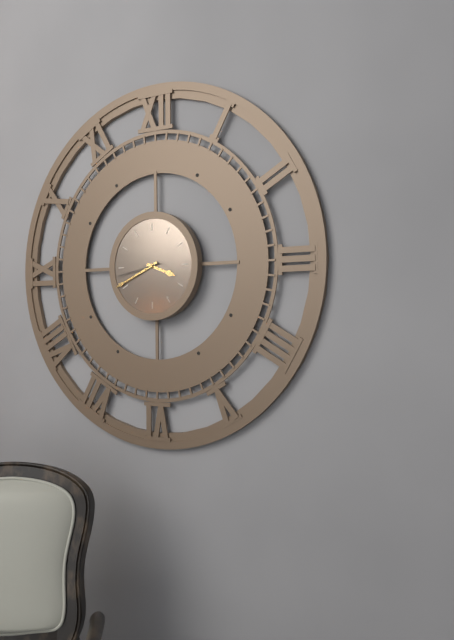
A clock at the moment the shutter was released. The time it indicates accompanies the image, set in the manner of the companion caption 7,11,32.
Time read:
3,41,43
